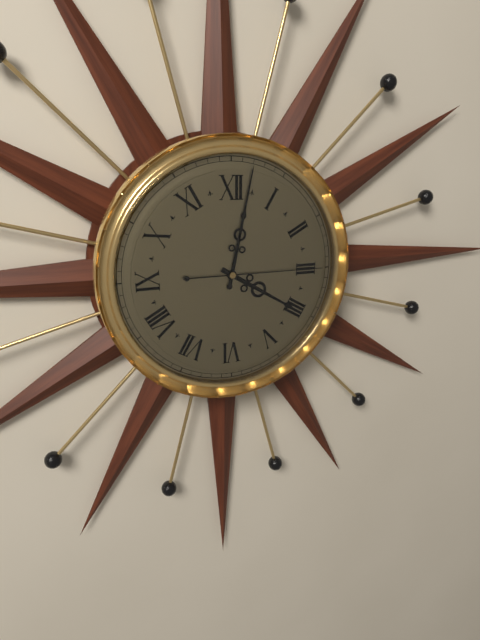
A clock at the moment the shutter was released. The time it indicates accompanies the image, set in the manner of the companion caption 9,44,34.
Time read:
4,02,15
